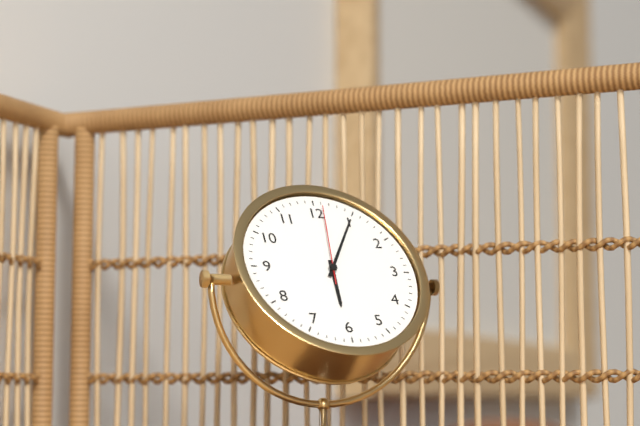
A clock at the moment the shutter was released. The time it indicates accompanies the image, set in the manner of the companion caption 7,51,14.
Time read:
6,05,01
